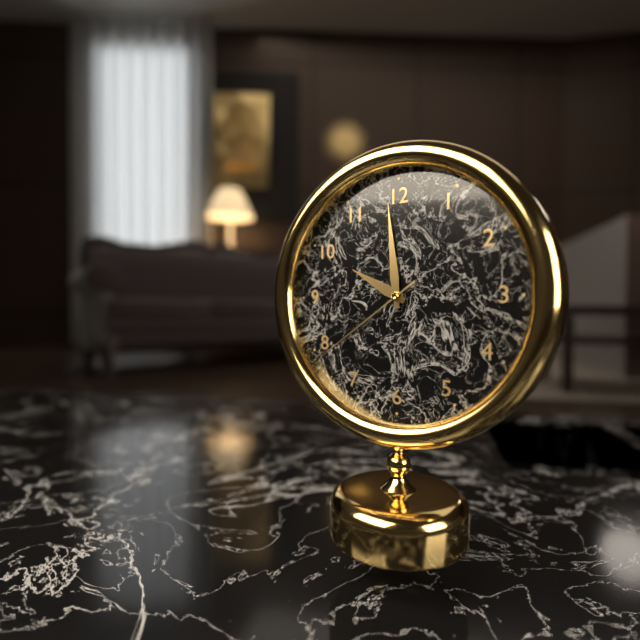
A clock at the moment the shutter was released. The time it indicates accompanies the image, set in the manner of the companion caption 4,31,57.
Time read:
9,59,39
